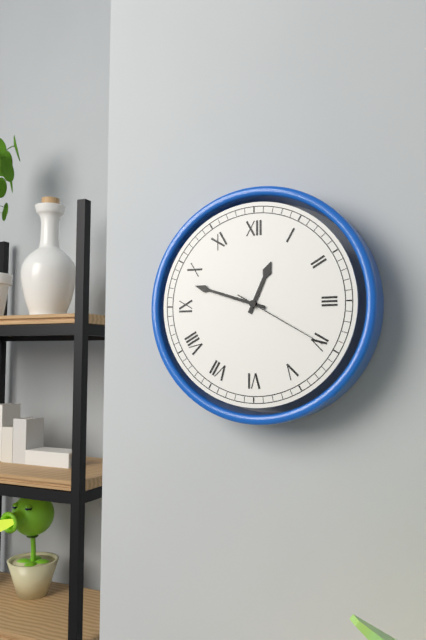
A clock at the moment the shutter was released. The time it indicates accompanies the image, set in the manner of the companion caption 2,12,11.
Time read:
12,48,20
